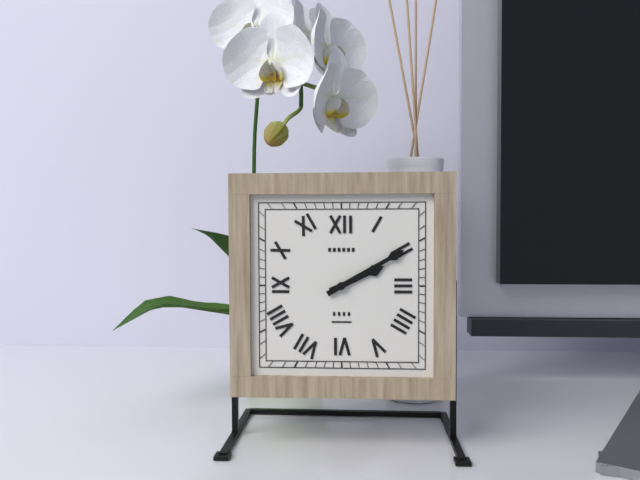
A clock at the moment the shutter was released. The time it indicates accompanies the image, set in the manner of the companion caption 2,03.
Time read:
2,10
